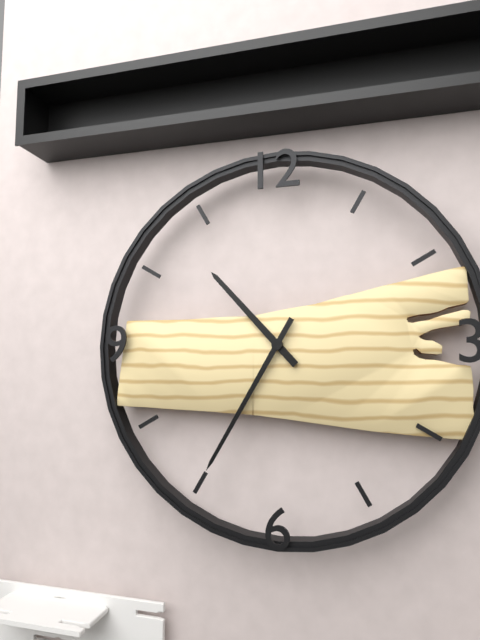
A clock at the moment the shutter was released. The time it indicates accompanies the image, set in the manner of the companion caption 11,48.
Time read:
10,35
